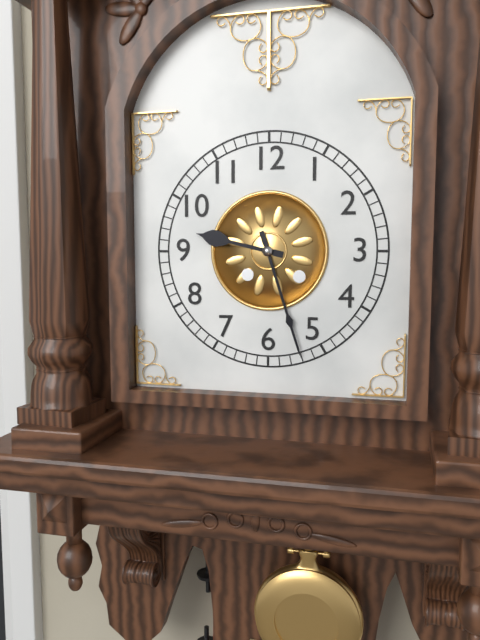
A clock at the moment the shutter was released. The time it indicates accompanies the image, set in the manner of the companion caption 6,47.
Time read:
9,27
